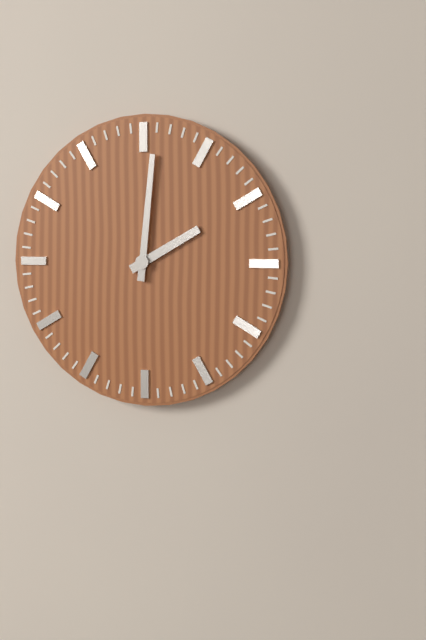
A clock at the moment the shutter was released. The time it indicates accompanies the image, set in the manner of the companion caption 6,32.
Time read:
2,01
